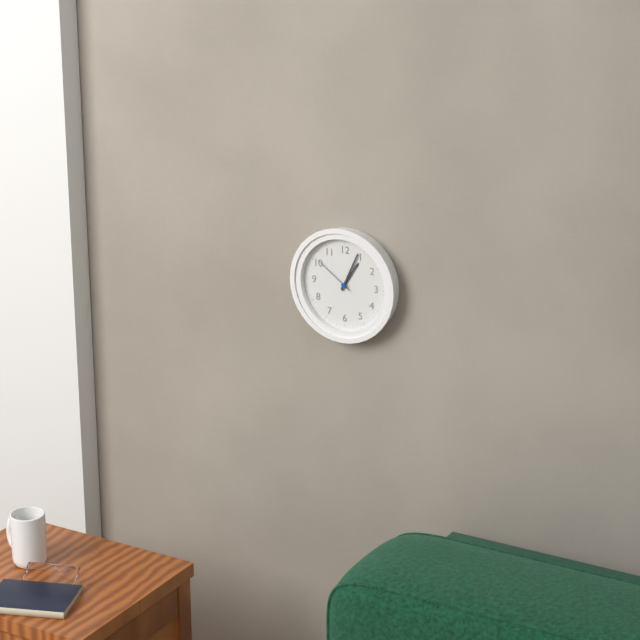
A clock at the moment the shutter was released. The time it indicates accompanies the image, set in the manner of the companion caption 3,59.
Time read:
1,04
